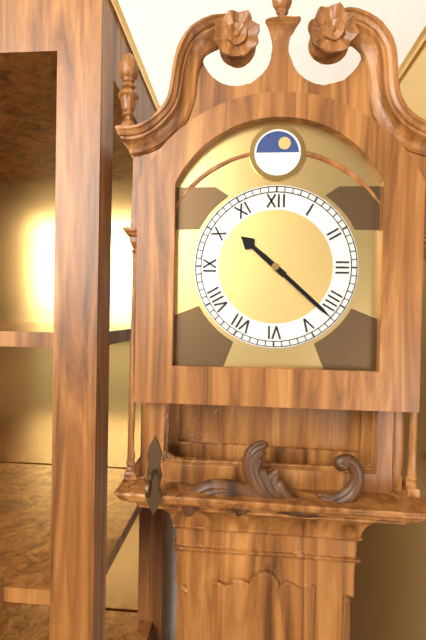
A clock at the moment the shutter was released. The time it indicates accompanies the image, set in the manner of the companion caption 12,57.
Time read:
10,22
